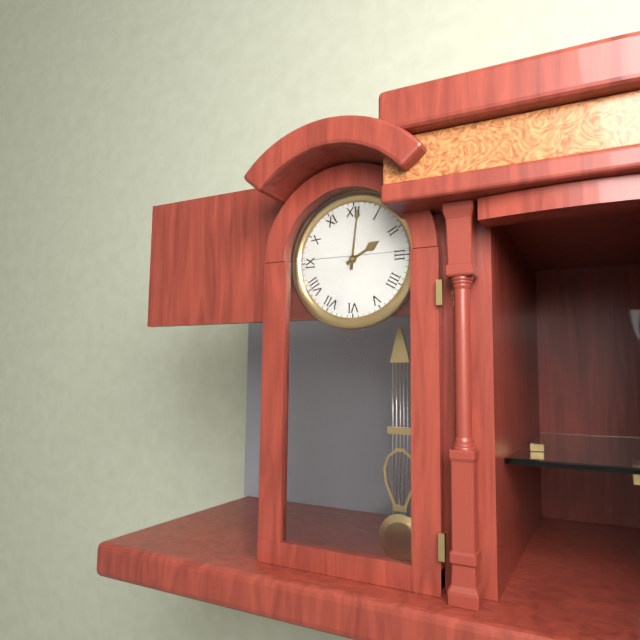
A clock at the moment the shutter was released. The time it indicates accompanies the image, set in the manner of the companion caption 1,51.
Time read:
2,01
